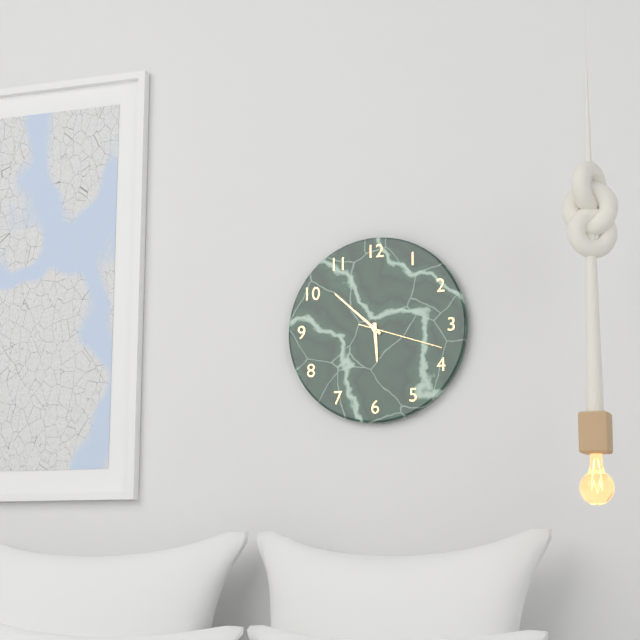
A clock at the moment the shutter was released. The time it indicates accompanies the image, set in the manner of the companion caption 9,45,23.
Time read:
5,52,18
